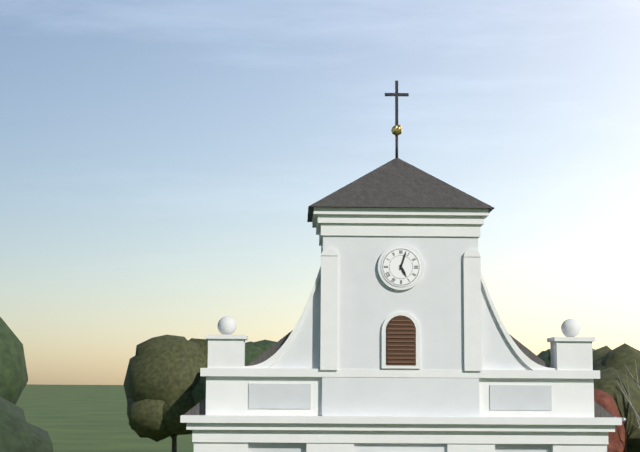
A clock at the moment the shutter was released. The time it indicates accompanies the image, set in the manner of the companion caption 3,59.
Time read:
5,03
